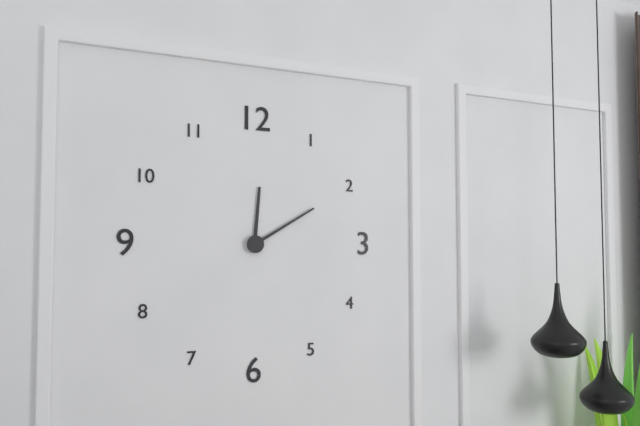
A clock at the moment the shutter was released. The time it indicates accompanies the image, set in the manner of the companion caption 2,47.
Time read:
12,10
